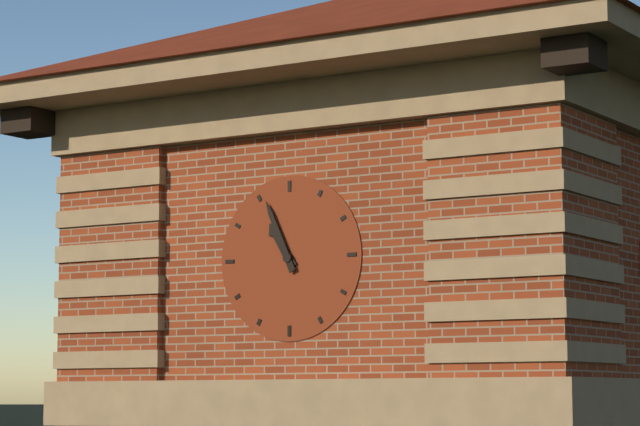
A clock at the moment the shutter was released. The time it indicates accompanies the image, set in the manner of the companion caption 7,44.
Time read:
10,56
